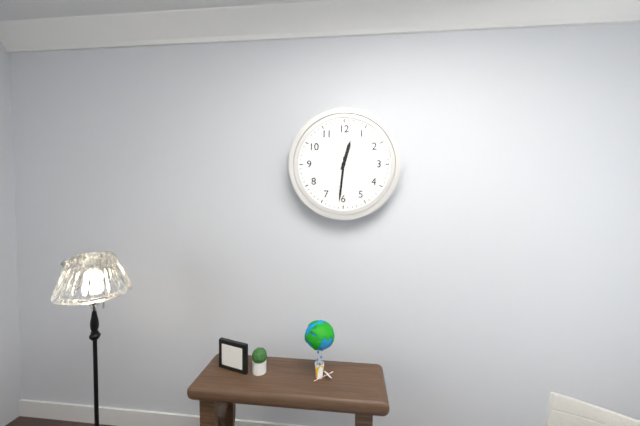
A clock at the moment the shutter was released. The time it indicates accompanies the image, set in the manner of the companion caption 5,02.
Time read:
12,31
